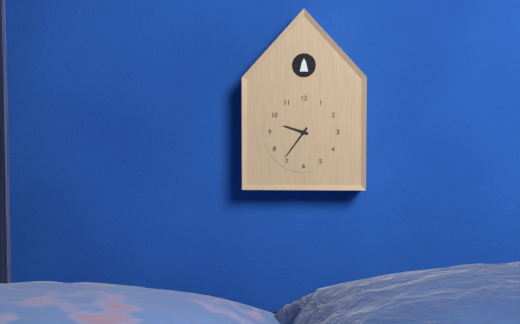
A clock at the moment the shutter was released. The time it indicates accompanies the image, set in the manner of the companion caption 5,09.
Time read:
9,36
